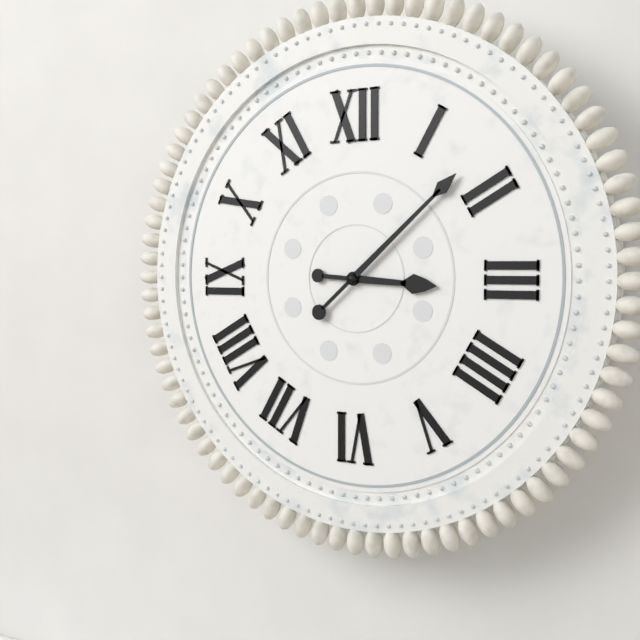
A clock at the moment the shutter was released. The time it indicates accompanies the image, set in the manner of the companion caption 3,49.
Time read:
3,08
